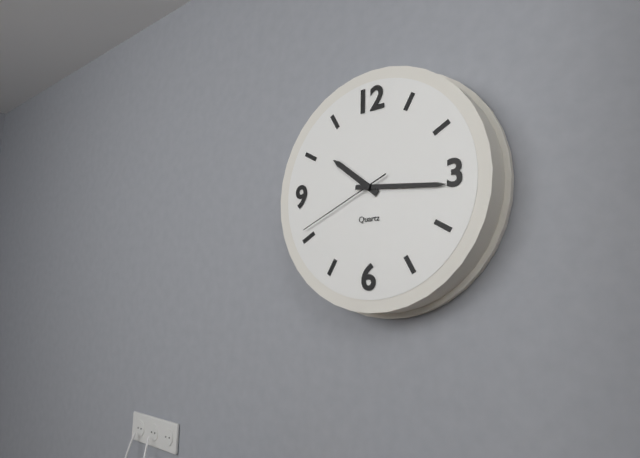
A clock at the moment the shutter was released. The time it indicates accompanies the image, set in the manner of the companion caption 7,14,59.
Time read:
10,16,41
